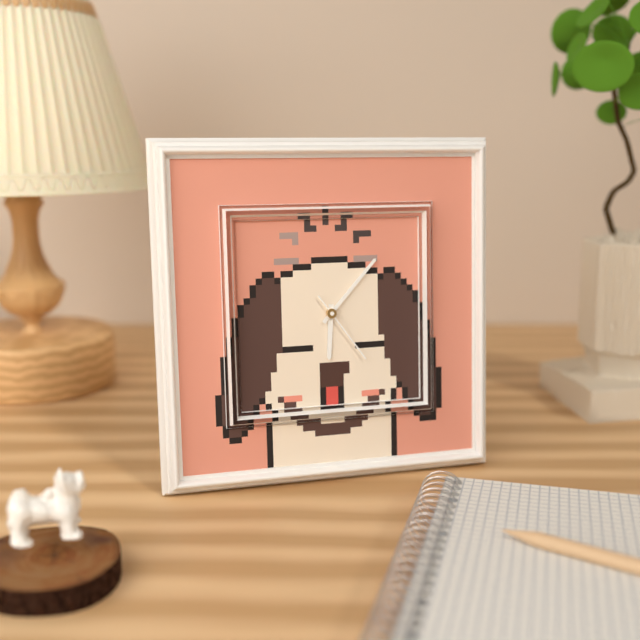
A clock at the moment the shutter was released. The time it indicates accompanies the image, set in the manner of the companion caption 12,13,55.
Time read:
6,07,24
